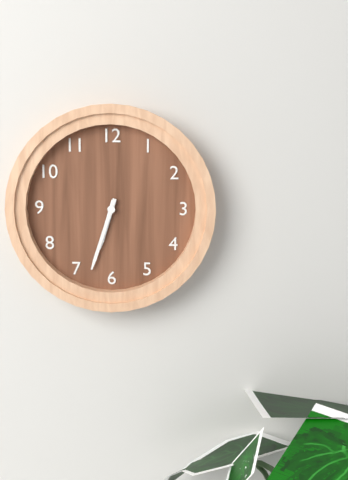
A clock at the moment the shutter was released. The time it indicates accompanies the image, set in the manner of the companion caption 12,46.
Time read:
6,33
